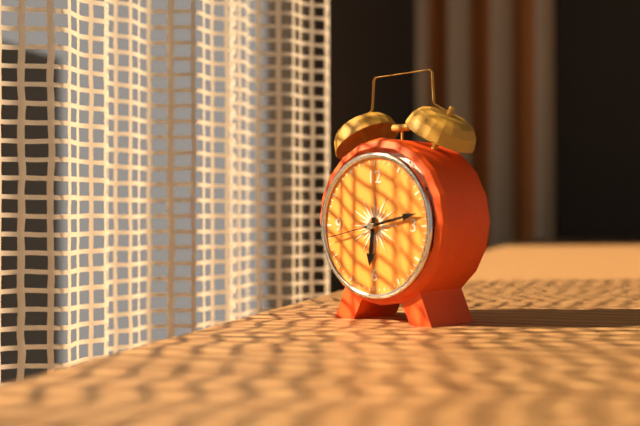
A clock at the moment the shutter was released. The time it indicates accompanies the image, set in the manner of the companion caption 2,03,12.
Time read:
6,13,43
